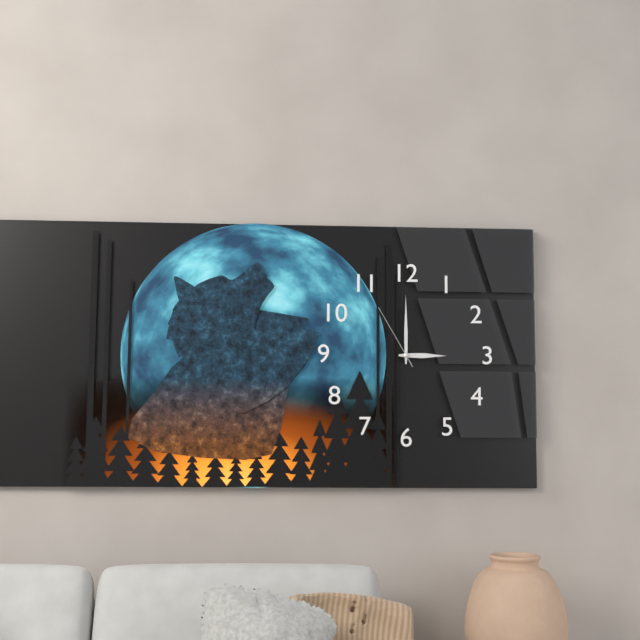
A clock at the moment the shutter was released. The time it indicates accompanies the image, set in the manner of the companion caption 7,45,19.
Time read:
3,00,55
